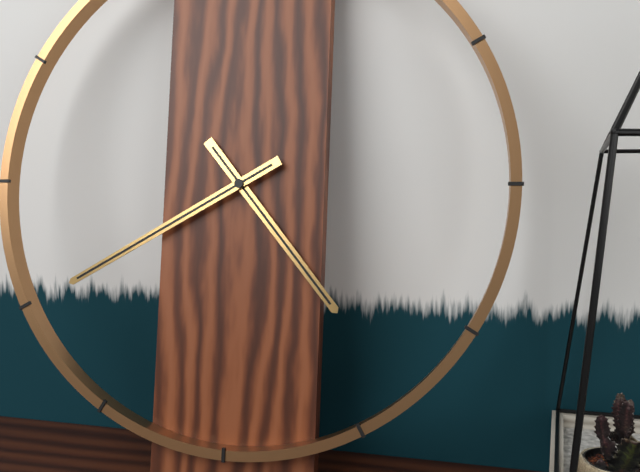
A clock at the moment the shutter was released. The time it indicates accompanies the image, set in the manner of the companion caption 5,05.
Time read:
4,40
